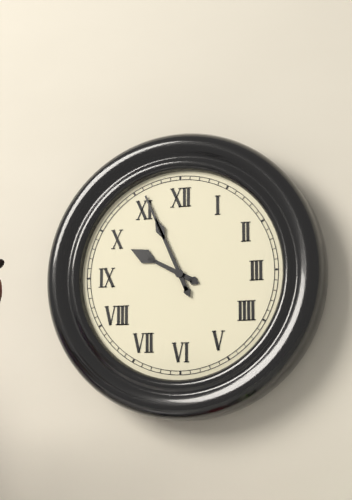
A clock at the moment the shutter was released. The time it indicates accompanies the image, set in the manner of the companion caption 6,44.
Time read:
9,56
